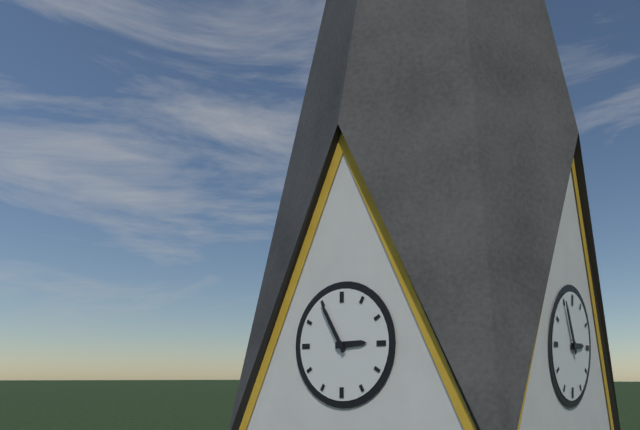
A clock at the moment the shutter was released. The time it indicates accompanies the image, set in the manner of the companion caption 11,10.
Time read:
2,55
